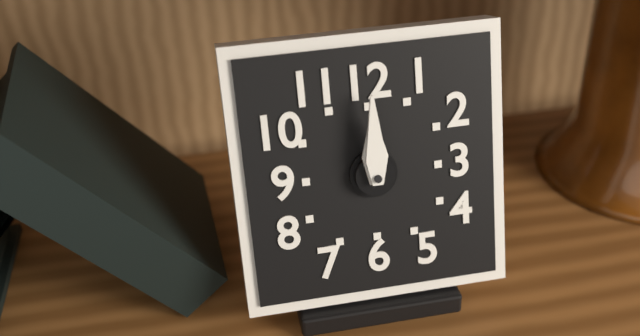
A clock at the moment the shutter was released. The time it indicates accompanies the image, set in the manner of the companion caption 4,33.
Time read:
12,00
